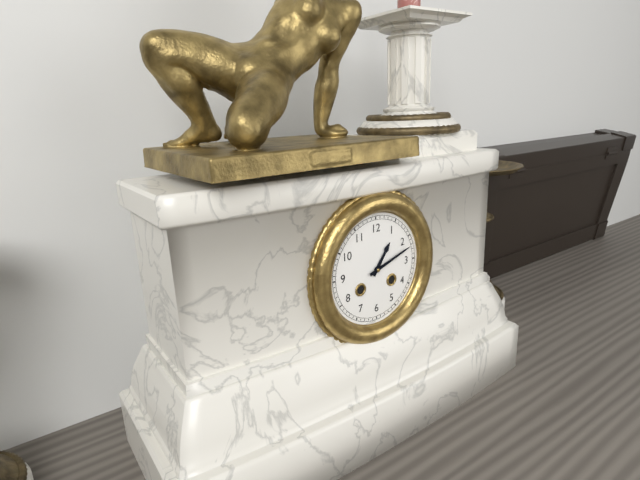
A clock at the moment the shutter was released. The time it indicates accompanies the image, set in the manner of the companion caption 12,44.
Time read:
1,12
